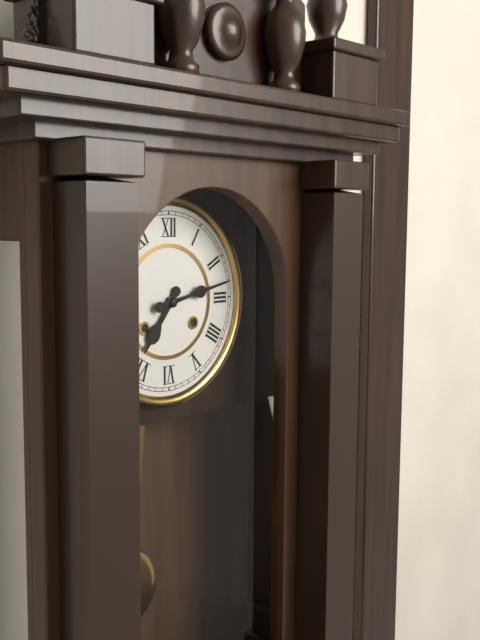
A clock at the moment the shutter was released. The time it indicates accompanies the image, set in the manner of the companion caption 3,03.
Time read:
7,13
